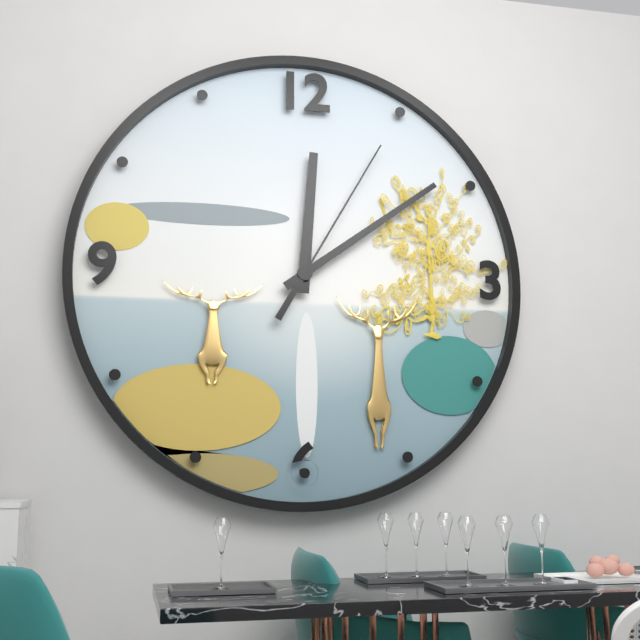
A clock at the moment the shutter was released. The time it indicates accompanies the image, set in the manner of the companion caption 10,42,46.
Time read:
12,09,05
